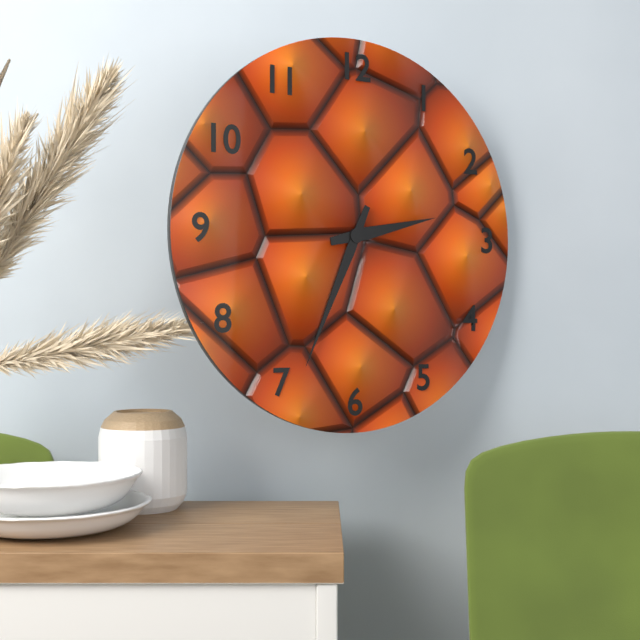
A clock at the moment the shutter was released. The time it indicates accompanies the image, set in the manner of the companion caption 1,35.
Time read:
2,34
